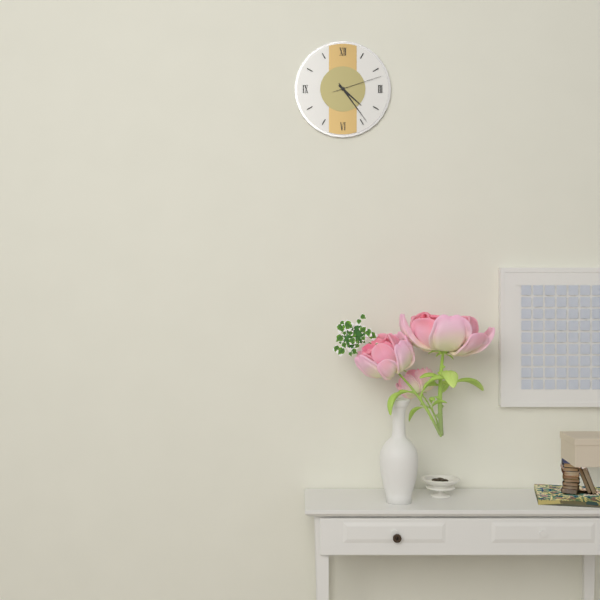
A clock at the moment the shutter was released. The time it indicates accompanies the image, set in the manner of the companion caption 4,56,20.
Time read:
4,24,12
